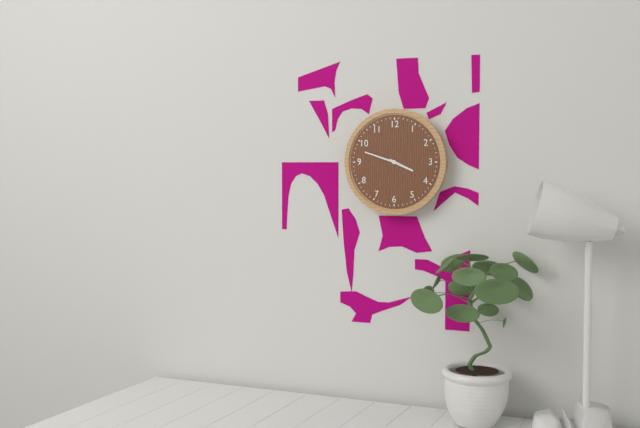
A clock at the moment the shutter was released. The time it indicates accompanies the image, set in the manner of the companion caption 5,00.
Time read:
3,48
